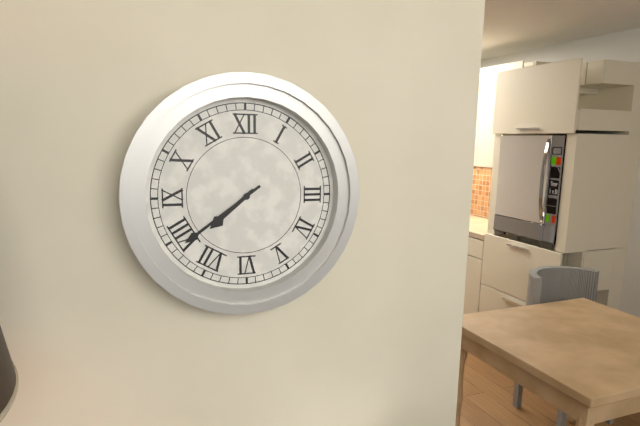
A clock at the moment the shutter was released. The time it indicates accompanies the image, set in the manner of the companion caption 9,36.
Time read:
7,39
